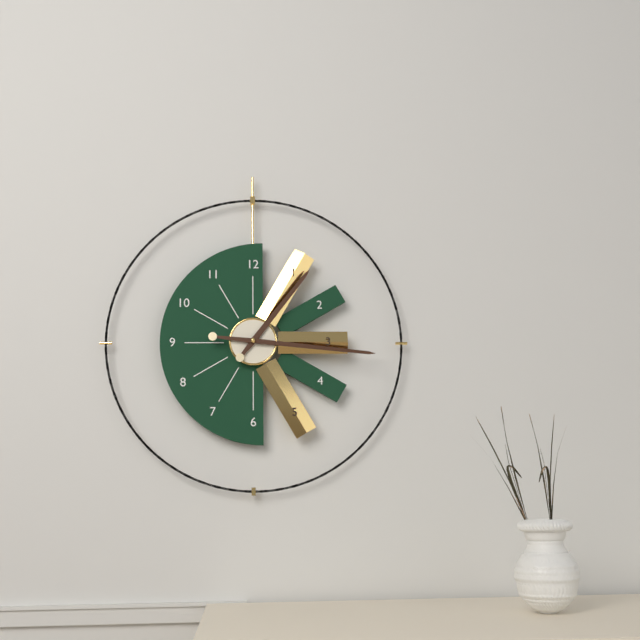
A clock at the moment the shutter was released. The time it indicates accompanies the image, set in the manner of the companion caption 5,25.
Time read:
1,16
